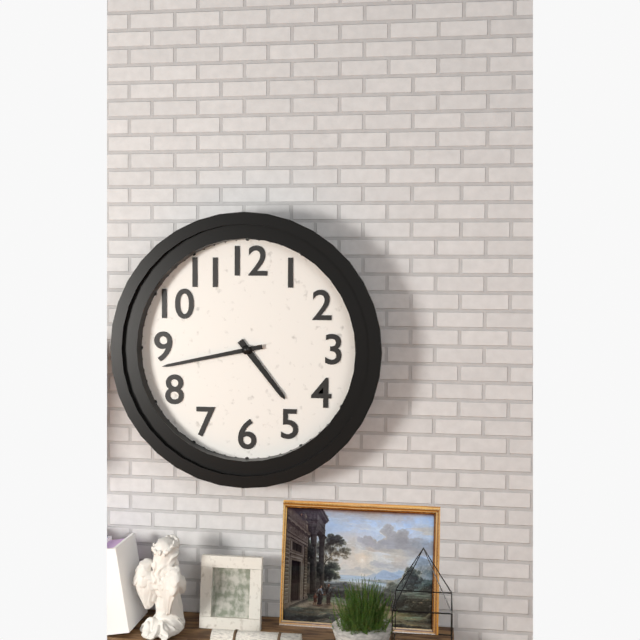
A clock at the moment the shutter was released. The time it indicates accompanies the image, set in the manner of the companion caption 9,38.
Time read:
4,43
